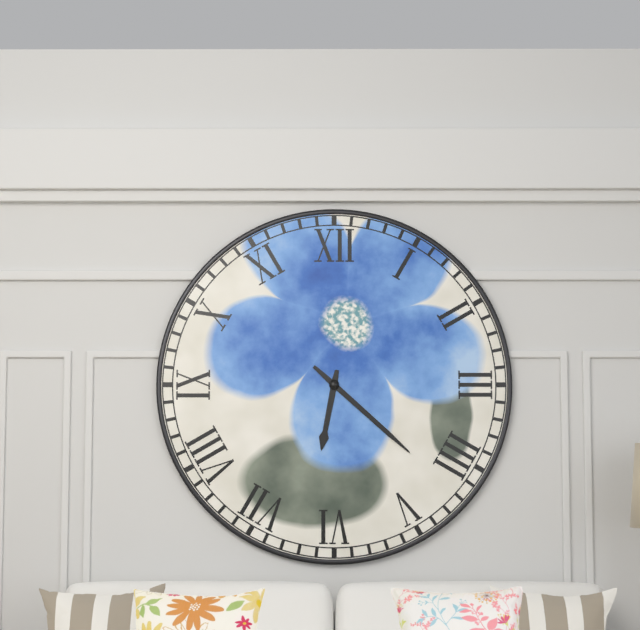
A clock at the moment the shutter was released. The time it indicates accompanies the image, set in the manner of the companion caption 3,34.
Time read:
6,22
